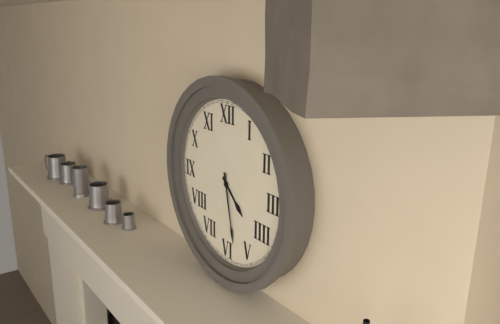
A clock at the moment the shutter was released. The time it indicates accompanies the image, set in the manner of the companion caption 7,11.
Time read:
4,28
